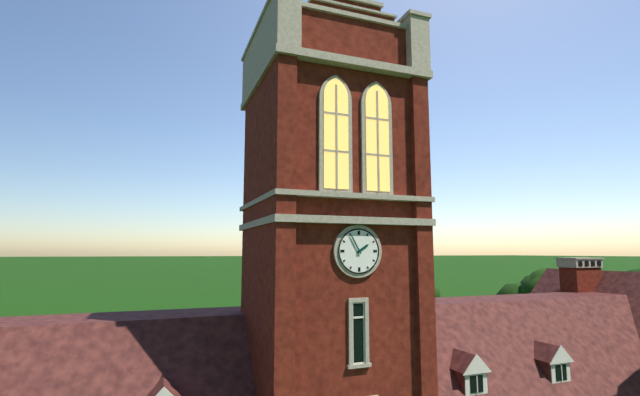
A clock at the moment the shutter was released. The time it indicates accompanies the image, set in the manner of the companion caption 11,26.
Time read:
1,55
